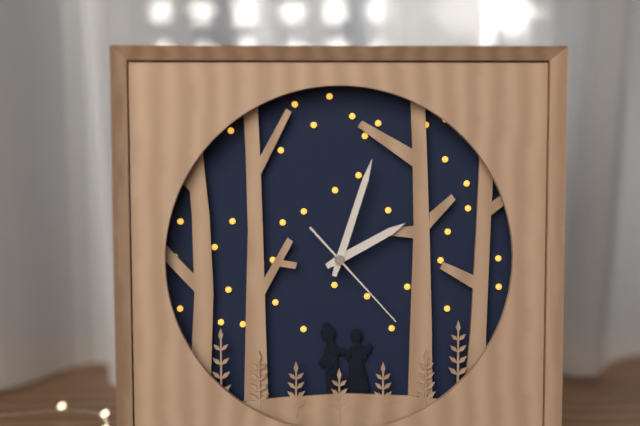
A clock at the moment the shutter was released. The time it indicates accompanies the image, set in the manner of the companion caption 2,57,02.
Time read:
2,03,23
